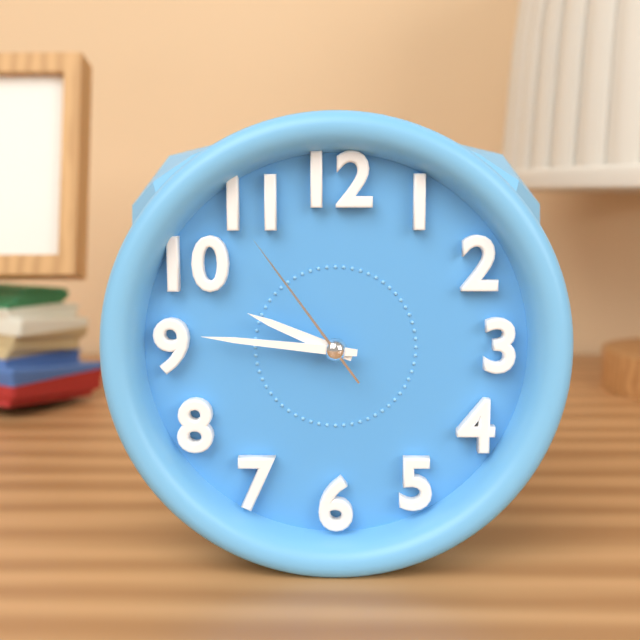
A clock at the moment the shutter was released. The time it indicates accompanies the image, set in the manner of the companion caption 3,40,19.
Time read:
9,46,54
